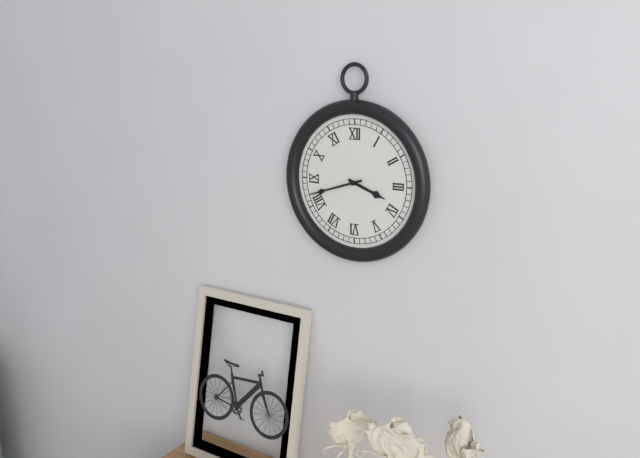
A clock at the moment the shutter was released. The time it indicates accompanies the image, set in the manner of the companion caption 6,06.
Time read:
3,42
